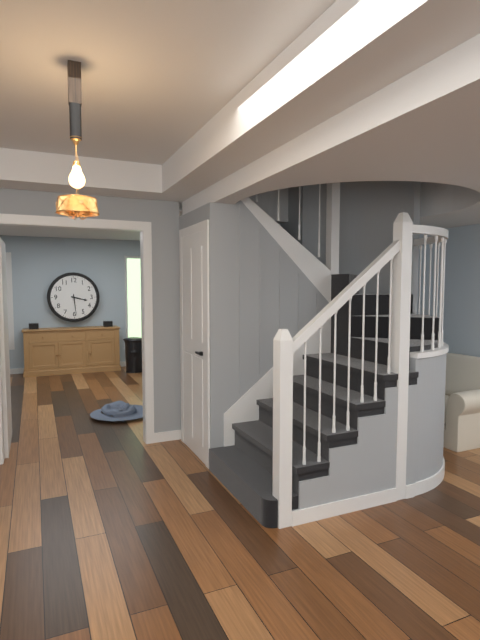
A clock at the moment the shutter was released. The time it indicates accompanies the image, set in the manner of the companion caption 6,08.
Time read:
3,29
